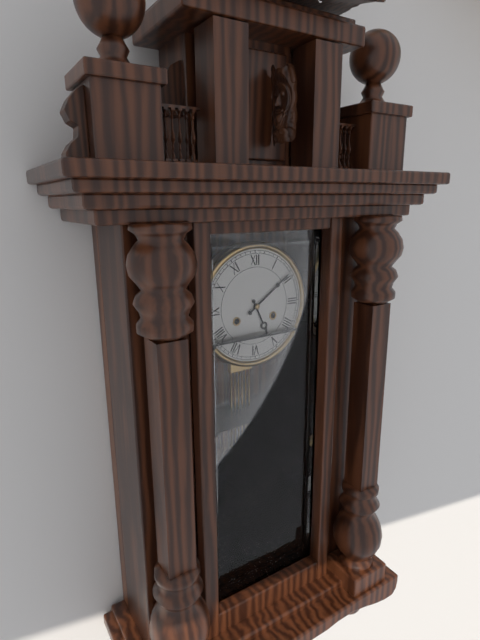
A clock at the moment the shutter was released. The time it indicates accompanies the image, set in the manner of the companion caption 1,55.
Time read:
5,09
